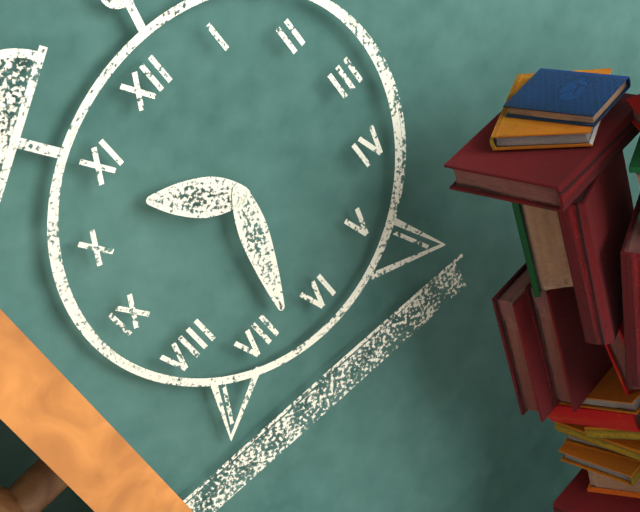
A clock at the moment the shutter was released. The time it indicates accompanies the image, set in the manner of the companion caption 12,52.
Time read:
10,33
